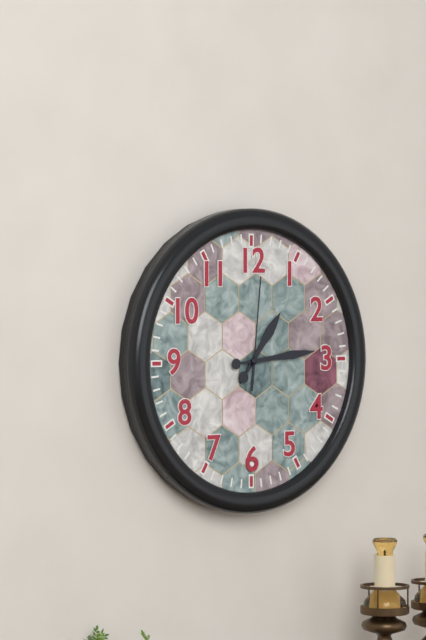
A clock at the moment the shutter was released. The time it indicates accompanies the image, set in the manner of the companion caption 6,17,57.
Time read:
1,14,01
